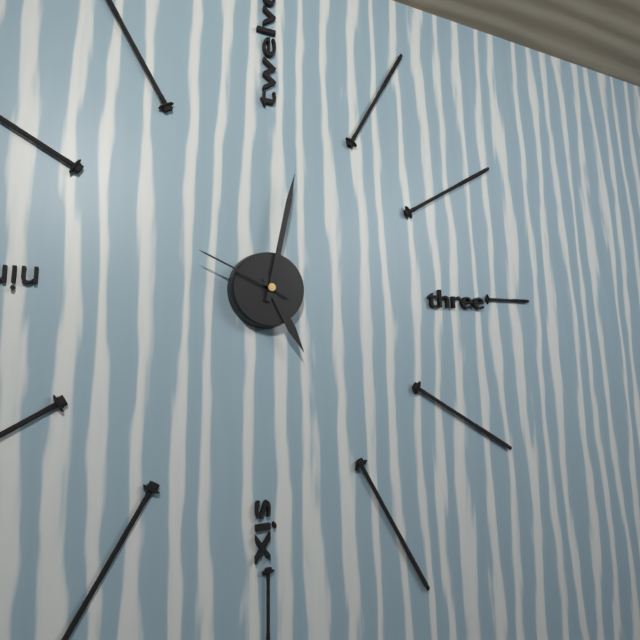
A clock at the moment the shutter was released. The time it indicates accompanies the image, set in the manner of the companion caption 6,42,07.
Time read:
5,02,49
